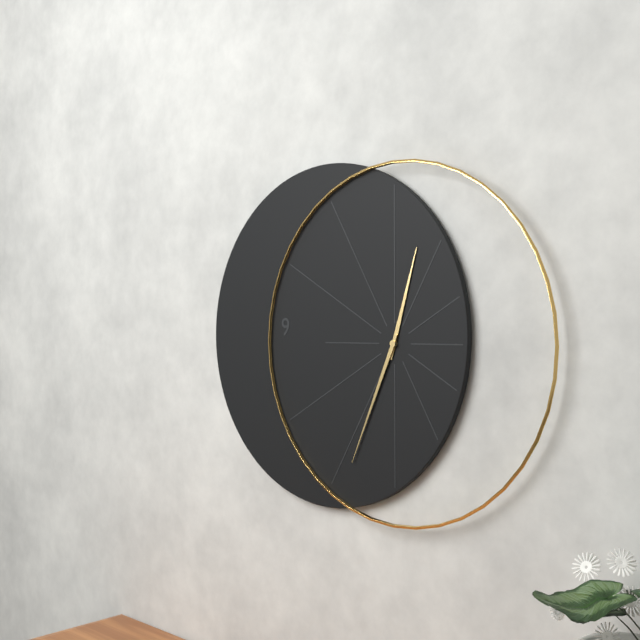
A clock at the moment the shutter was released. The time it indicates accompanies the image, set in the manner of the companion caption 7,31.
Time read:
12,34
